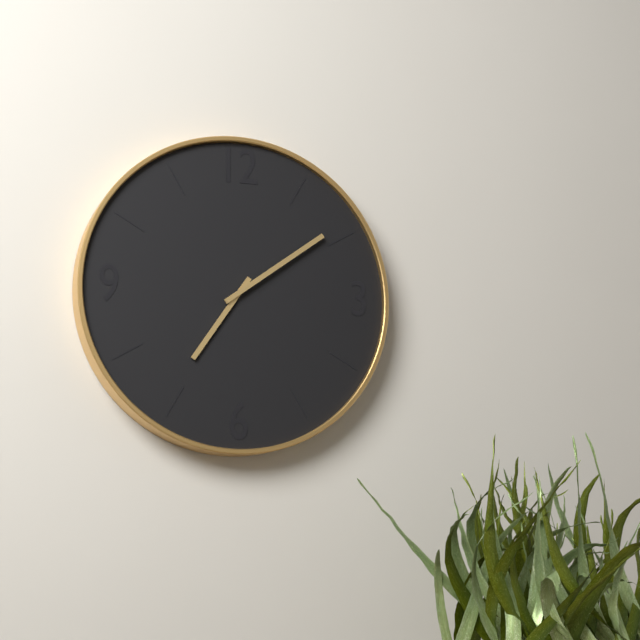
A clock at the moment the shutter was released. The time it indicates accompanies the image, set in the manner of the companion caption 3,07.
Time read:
7,09
